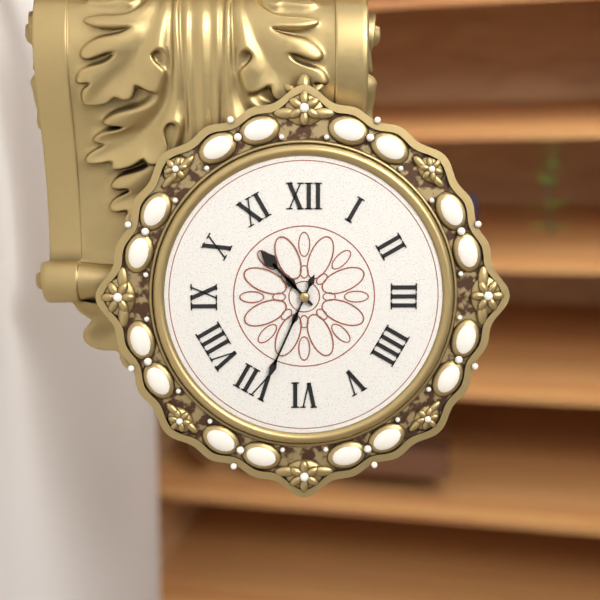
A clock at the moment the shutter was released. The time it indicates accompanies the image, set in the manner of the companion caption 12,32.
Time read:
10,34
